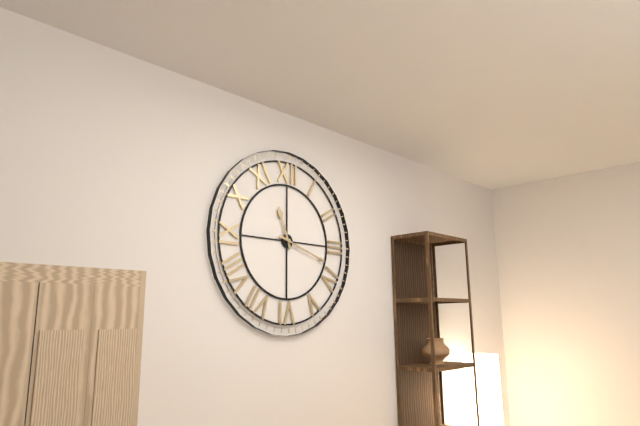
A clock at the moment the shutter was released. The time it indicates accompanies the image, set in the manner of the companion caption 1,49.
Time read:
11,18
